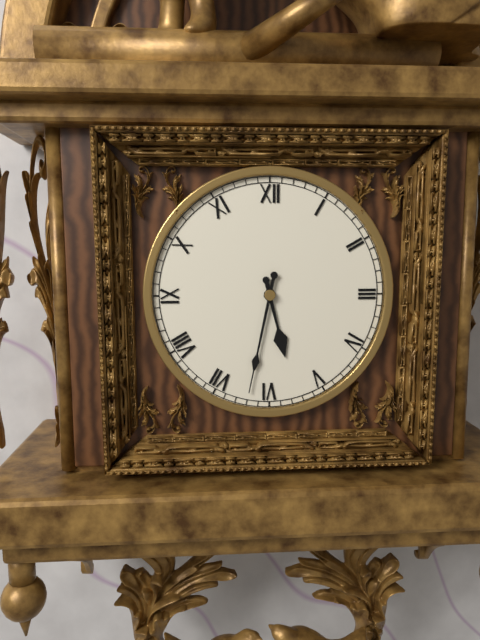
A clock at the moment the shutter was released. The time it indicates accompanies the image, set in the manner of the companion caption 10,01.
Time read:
5,32
